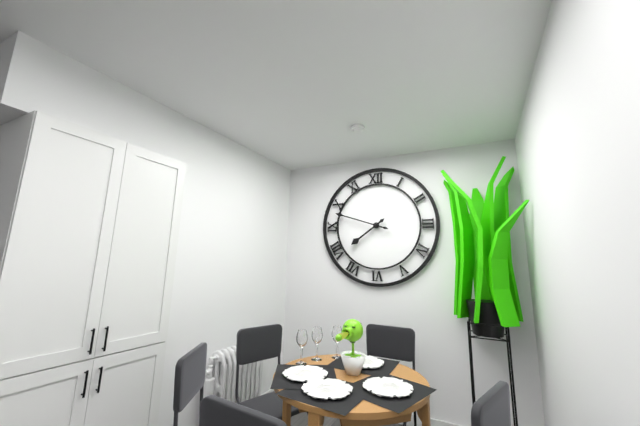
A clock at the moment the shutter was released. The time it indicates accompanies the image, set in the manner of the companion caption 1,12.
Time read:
7,48
